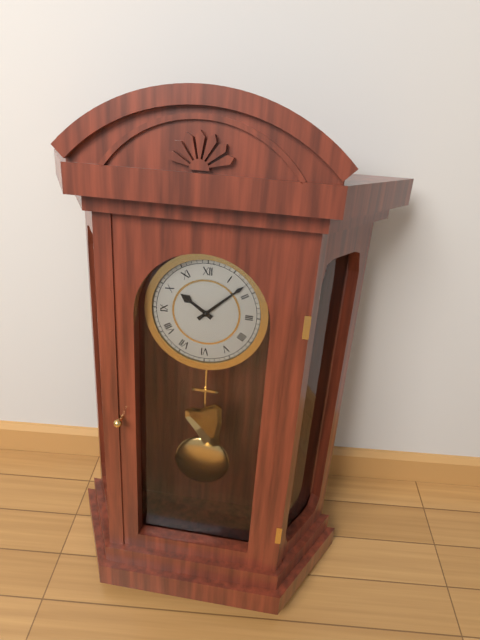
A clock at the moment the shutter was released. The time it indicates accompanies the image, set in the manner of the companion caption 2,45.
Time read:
10,08
